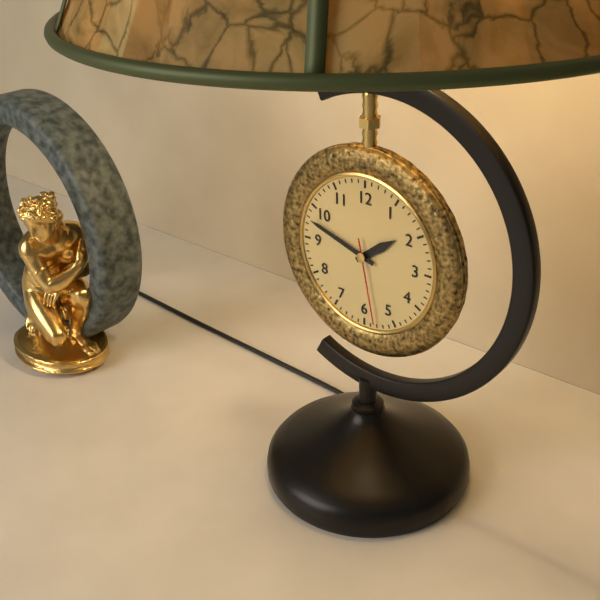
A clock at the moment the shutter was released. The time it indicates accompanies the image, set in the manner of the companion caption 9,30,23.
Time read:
1,48,28
